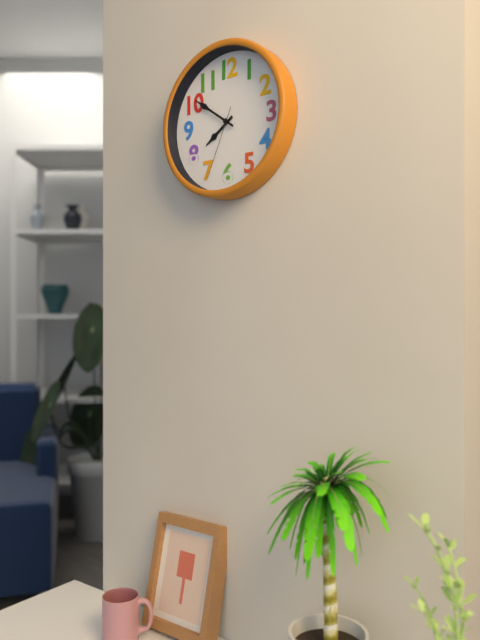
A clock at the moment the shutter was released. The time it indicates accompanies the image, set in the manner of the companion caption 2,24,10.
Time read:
7,51,34
